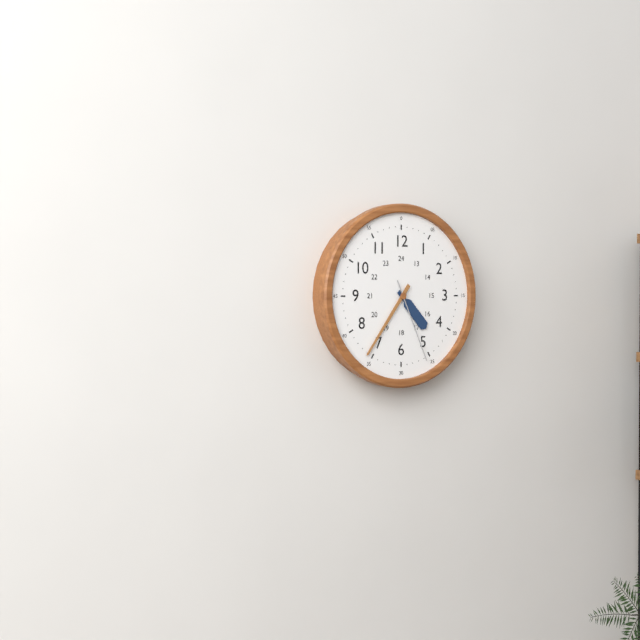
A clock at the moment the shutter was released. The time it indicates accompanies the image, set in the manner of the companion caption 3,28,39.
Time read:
4,36,26
